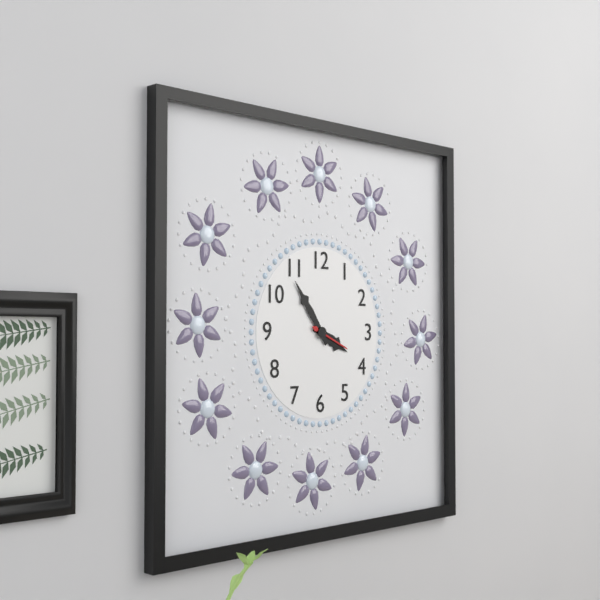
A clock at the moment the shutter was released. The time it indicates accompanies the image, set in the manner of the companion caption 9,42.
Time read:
3,54
